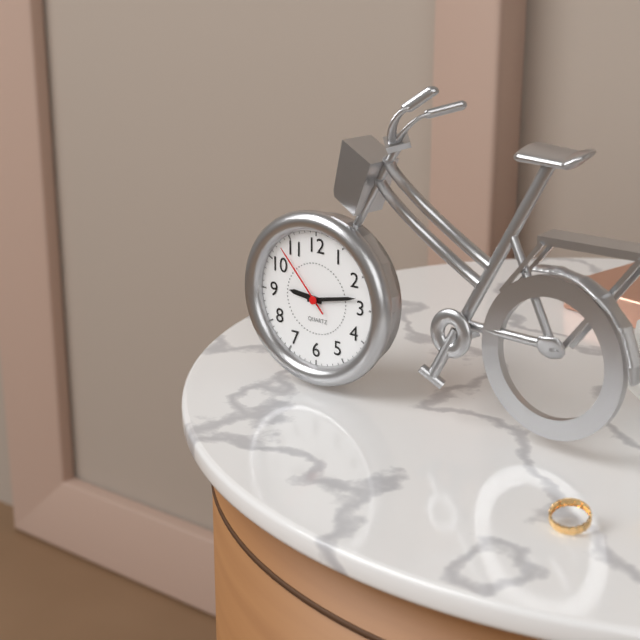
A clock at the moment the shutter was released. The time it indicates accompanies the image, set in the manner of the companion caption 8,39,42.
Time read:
9,13,53
